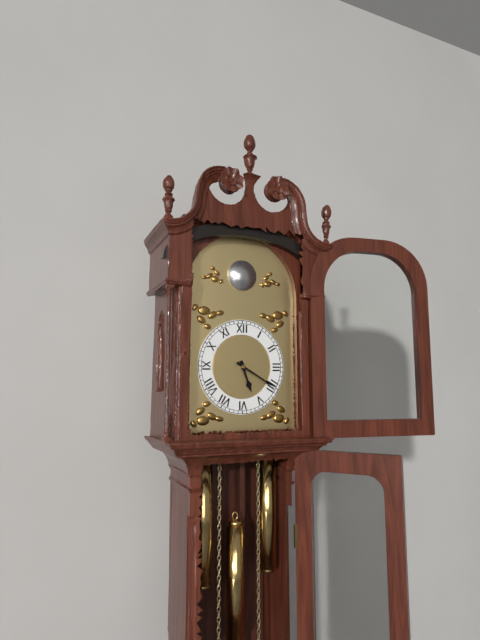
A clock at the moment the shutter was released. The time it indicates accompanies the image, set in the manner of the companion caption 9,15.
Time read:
5,20
